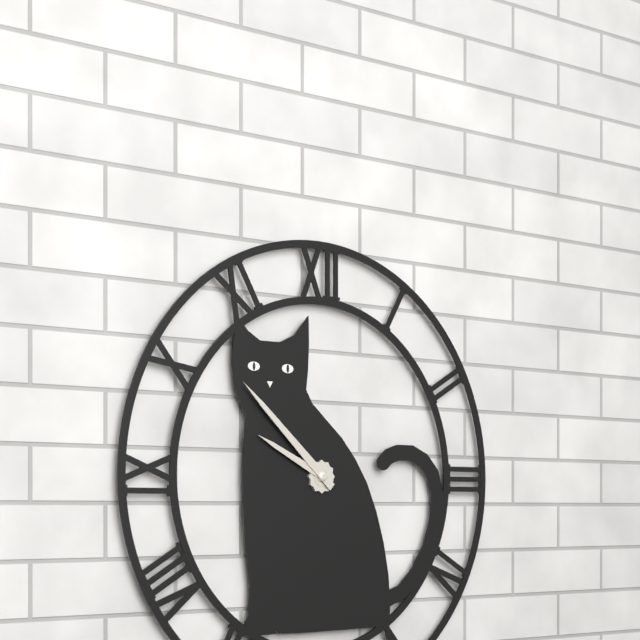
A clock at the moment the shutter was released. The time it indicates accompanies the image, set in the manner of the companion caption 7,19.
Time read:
9,52
